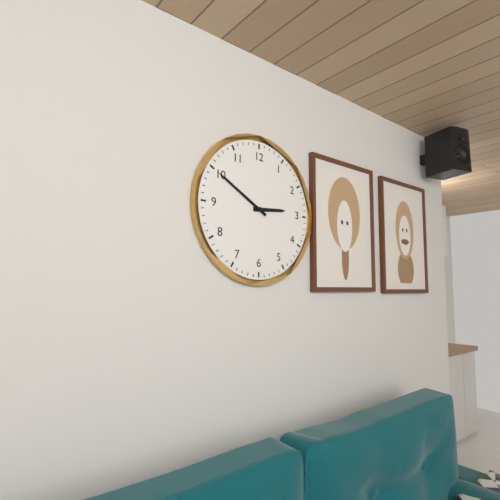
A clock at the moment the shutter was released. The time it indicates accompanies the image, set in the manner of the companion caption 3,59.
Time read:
2,50
